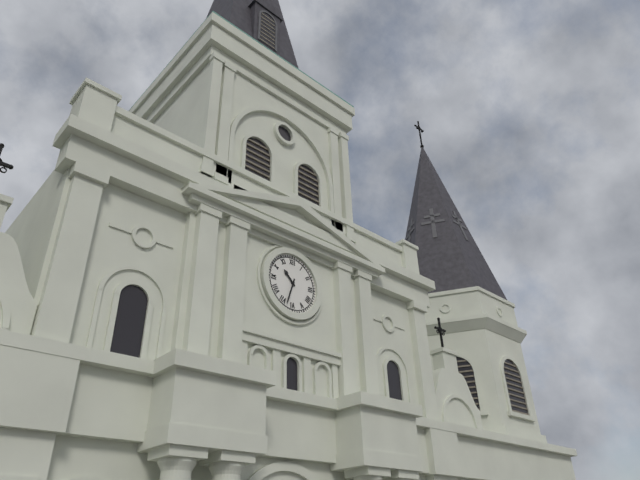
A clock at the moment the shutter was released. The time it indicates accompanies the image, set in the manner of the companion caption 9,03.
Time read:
10,33
